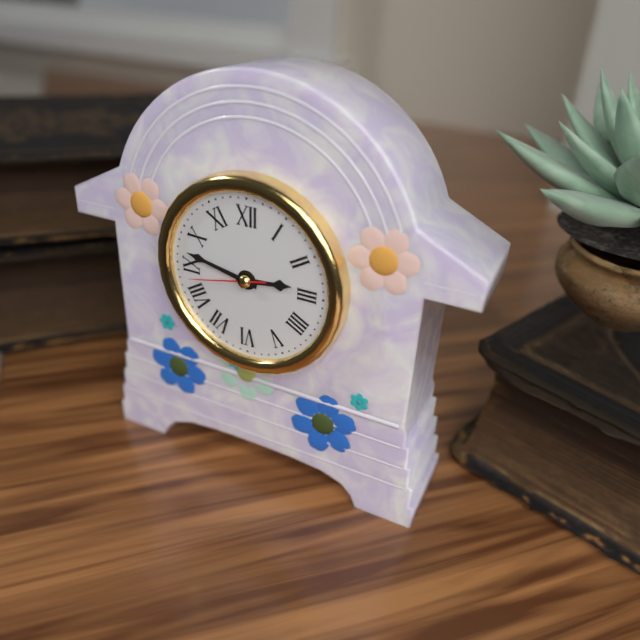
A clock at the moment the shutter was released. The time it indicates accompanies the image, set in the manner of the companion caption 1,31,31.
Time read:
2,47,43
